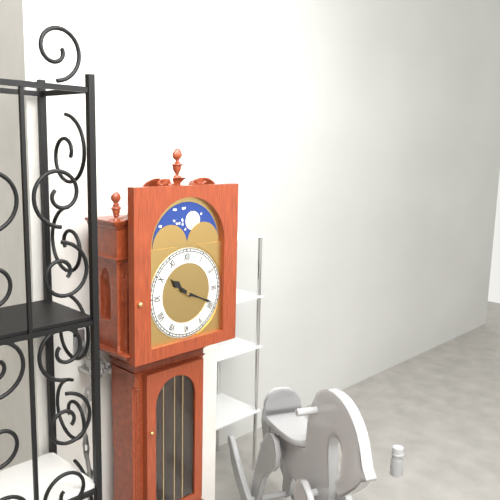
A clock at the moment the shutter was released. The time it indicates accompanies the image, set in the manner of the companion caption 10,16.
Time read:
10,19
